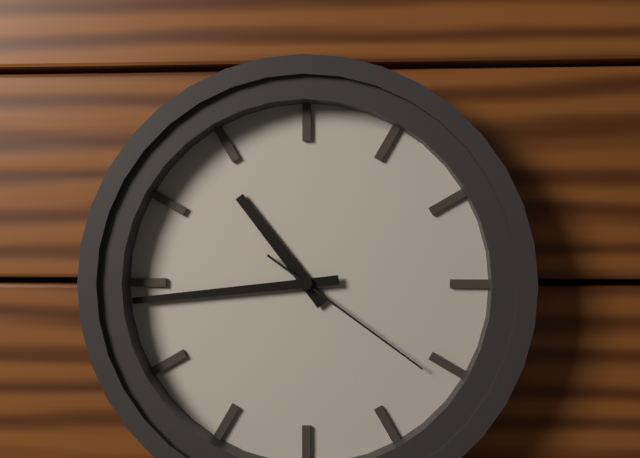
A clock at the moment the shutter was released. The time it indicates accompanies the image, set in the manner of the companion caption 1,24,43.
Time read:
10,44,21
